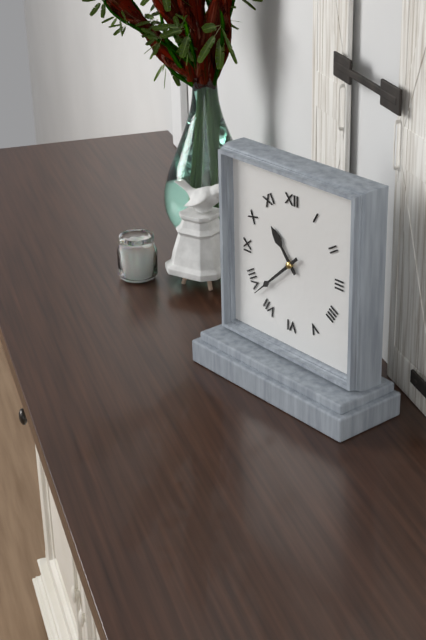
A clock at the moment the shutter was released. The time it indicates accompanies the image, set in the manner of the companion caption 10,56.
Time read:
10,38
